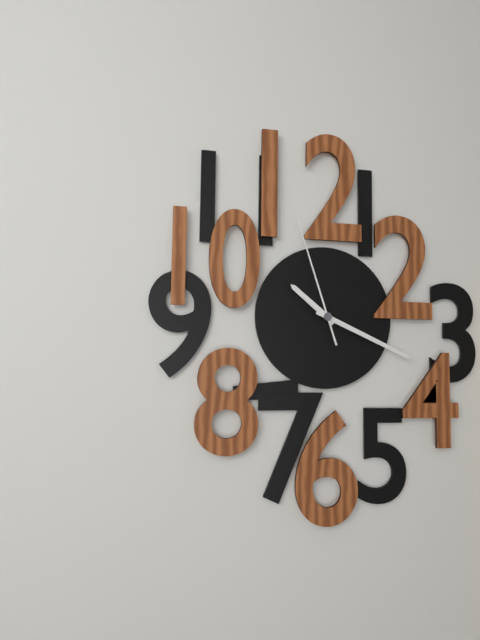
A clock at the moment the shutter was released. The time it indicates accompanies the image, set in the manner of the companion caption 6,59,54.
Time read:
10,19,57
